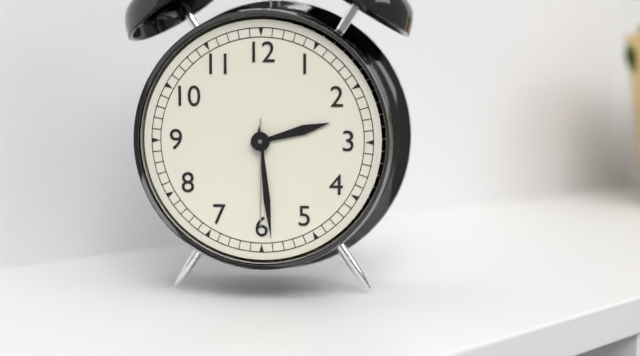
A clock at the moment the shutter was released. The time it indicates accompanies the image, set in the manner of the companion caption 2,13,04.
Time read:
2,29,30
